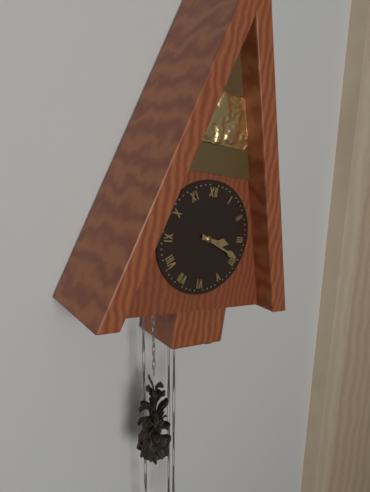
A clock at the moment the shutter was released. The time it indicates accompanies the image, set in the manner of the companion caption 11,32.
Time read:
3,19
